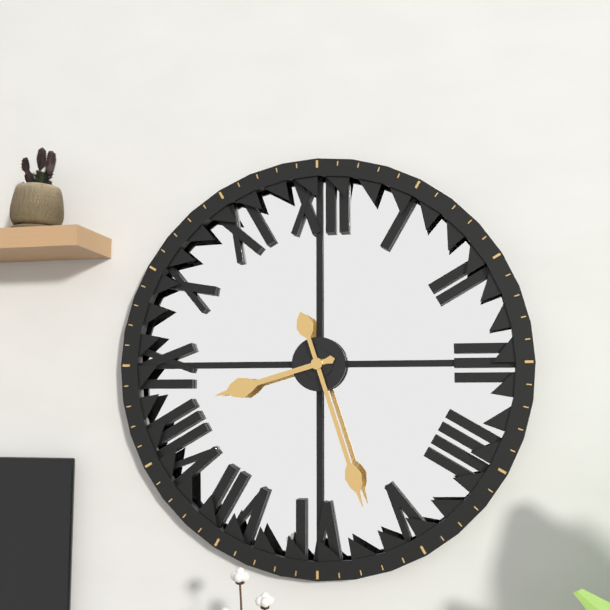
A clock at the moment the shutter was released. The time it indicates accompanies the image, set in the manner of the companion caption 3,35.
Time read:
8,27
